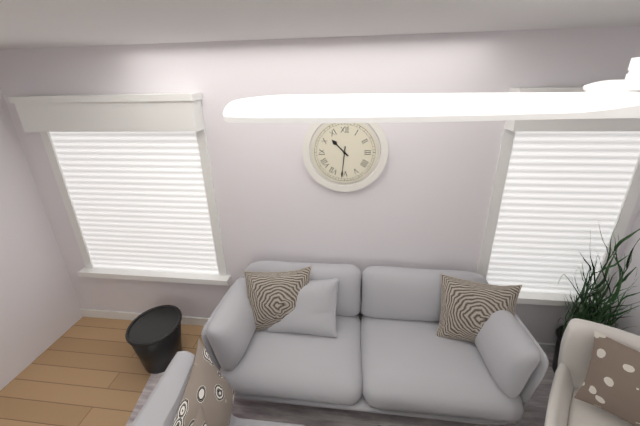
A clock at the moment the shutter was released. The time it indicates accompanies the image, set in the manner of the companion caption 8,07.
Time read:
10,31
